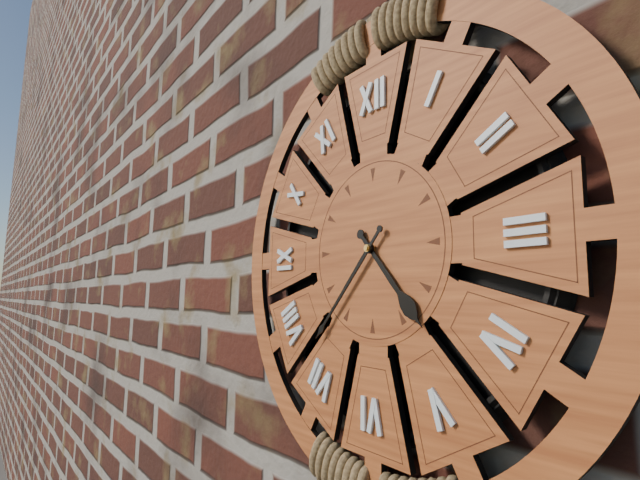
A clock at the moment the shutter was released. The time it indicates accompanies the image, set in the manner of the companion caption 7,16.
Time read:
4,37
